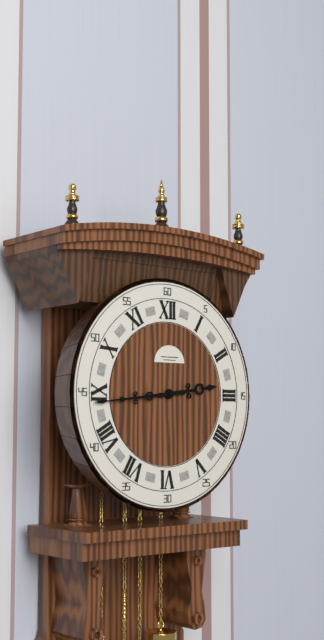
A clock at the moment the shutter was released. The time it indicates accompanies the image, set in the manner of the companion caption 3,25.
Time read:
2,44
